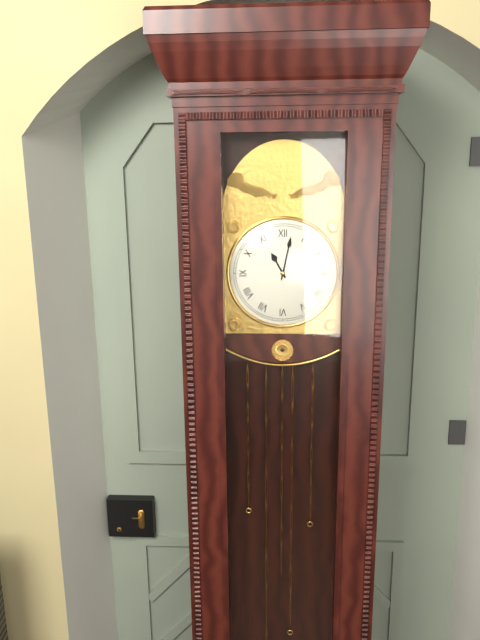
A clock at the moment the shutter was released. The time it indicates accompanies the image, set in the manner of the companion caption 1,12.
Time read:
11,02
